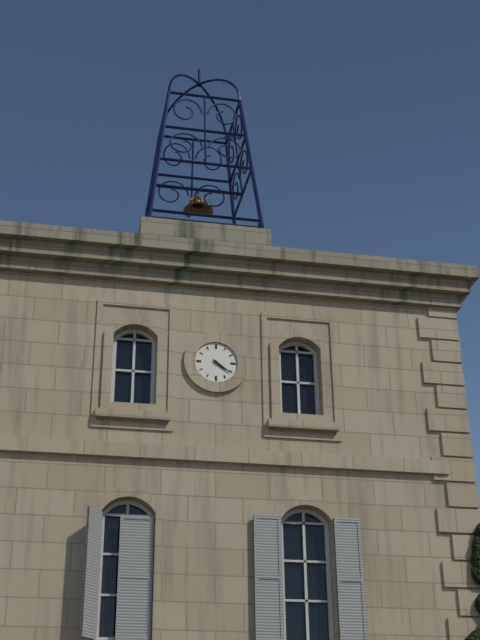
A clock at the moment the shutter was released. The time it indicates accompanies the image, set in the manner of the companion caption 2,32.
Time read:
4,21
